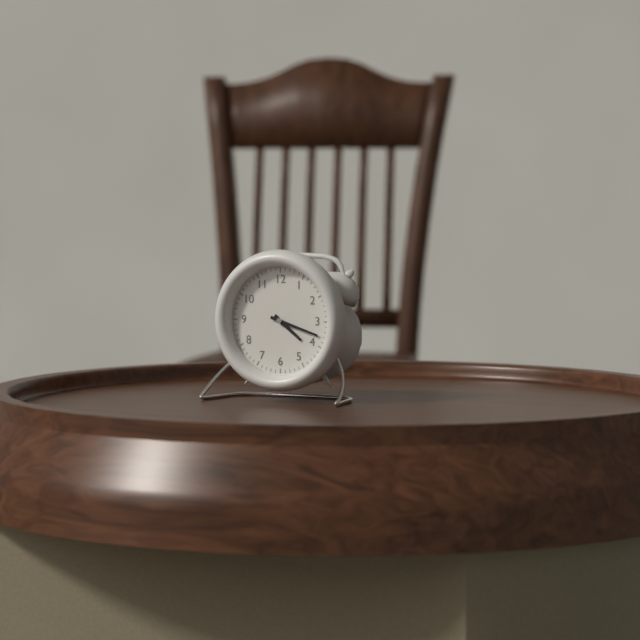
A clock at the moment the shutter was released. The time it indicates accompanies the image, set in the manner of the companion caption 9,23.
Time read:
4,18
